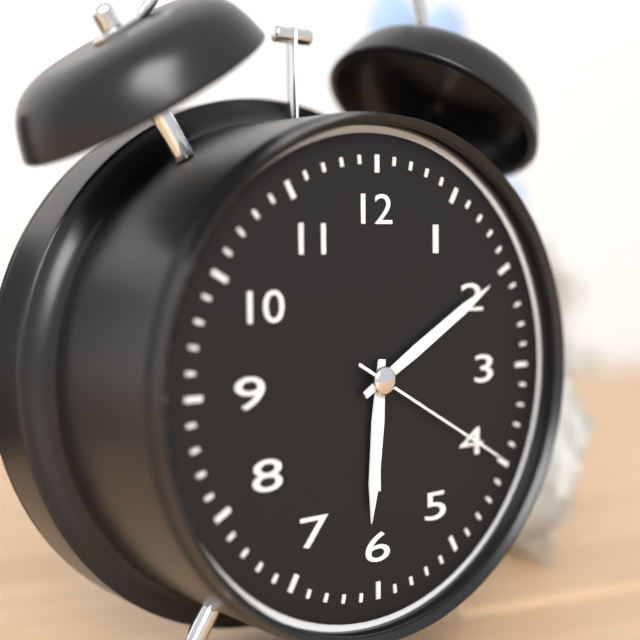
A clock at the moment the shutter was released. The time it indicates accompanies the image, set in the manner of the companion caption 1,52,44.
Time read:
6,10,20
